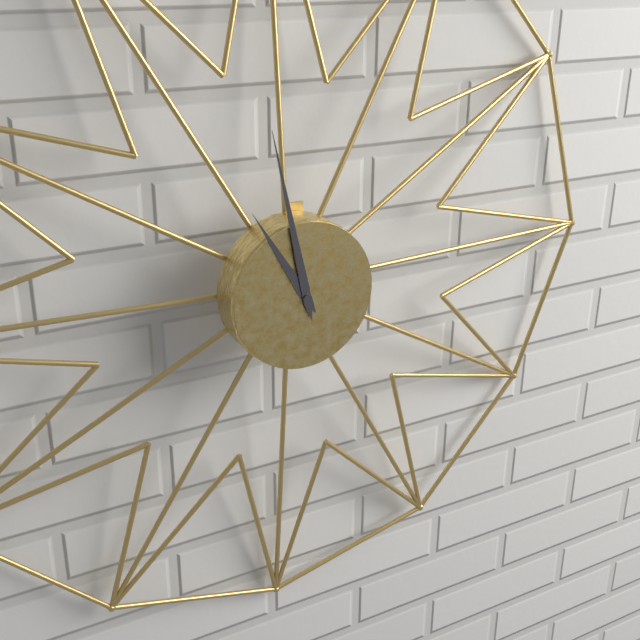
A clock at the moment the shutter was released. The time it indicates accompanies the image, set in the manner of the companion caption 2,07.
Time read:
10,58
